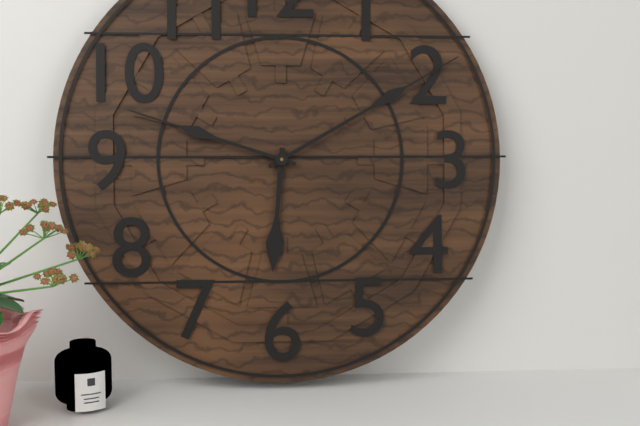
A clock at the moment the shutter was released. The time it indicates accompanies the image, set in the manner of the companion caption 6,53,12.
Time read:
6,10,48
